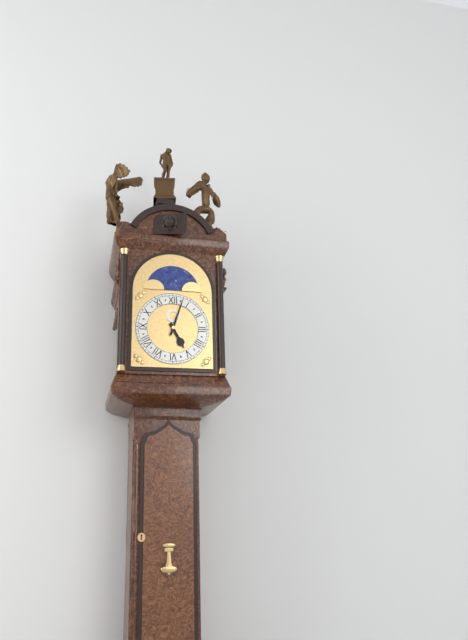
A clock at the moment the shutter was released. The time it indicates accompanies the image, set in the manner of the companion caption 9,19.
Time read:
5,03
